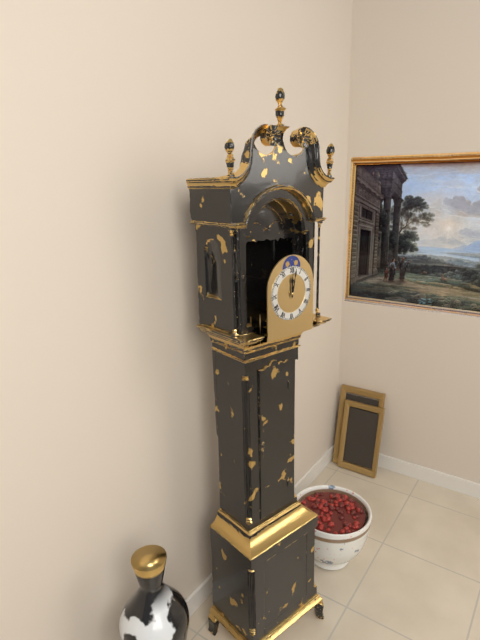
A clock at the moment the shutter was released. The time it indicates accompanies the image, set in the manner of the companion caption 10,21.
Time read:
12,02
